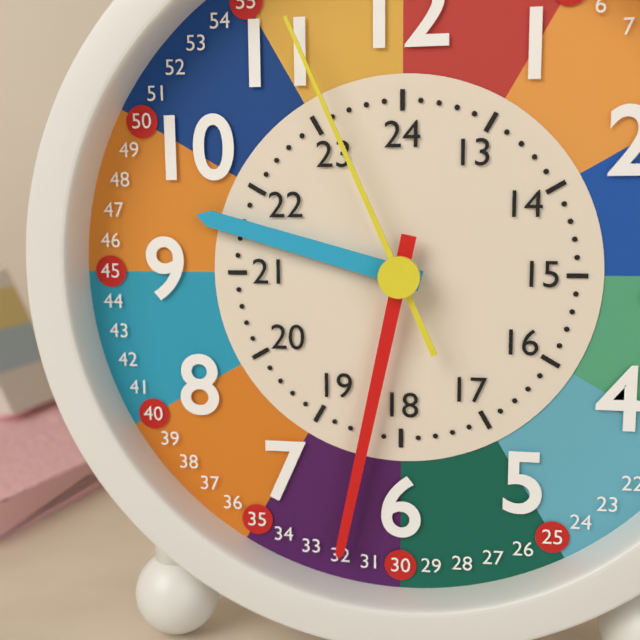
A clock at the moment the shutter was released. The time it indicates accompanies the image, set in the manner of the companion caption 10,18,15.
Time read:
9,32,56
